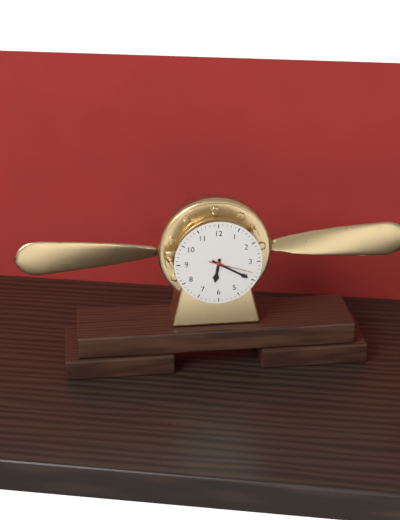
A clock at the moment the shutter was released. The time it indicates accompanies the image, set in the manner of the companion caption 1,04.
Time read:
6,20
